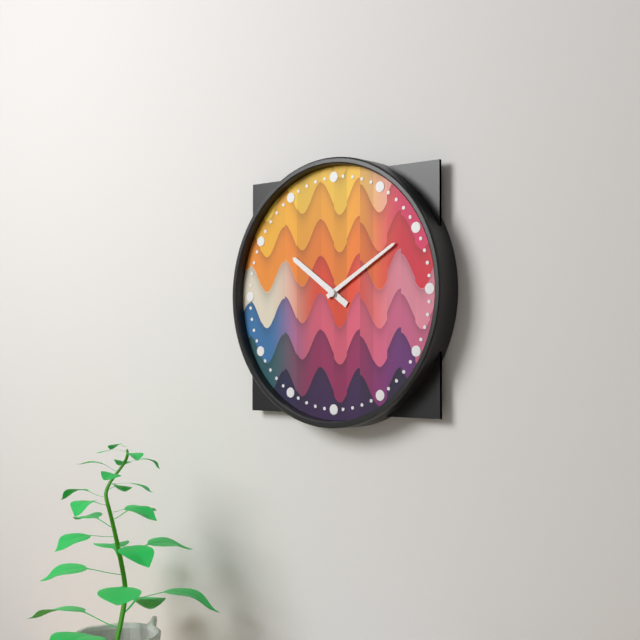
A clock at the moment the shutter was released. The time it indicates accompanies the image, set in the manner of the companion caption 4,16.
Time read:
10,10
